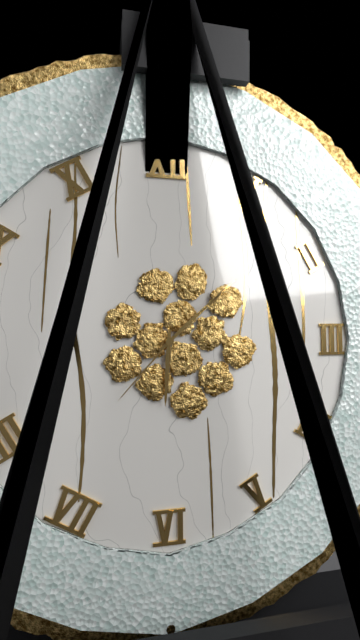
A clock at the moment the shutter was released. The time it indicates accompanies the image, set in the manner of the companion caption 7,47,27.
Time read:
6,08,37
